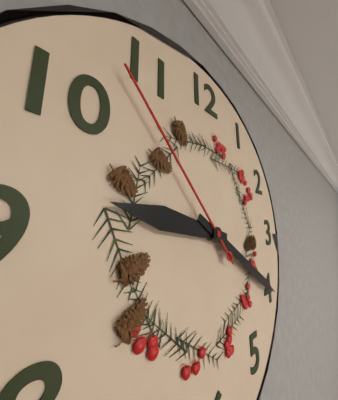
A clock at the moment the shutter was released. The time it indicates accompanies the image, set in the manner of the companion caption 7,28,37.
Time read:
9,20,53
